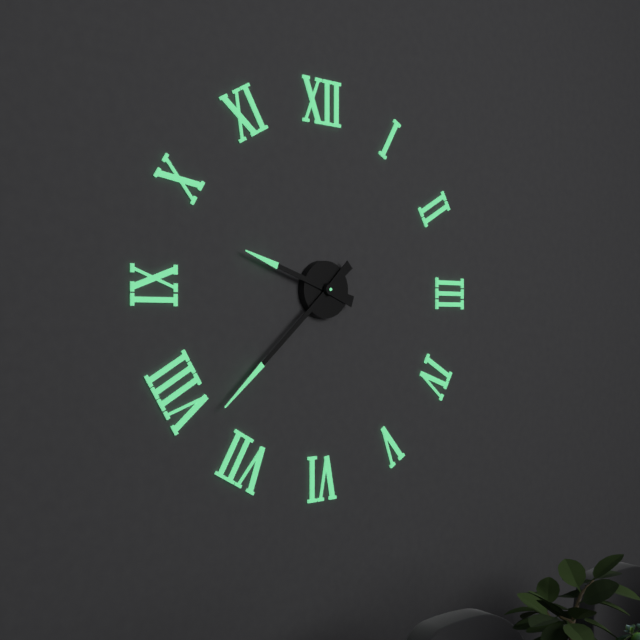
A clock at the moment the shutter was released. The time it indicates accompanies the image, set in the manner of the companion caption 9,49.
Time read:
9,38
